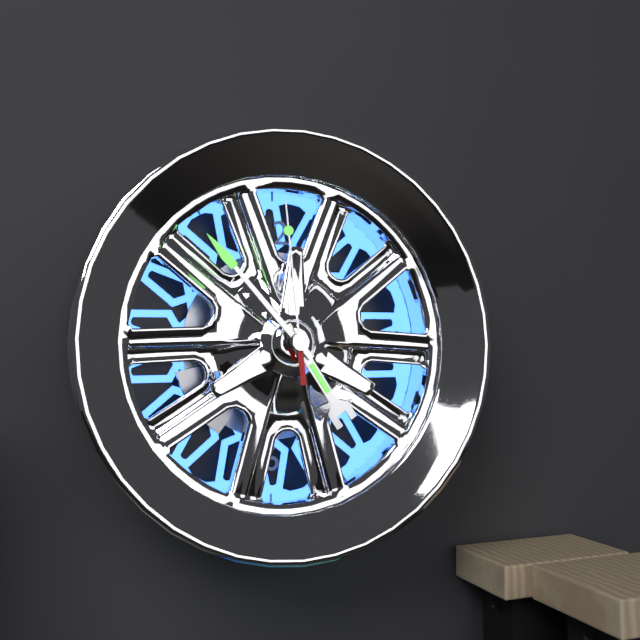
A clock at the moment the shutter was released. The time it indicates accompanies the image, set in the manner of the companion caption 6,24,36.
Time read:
4,53,59
